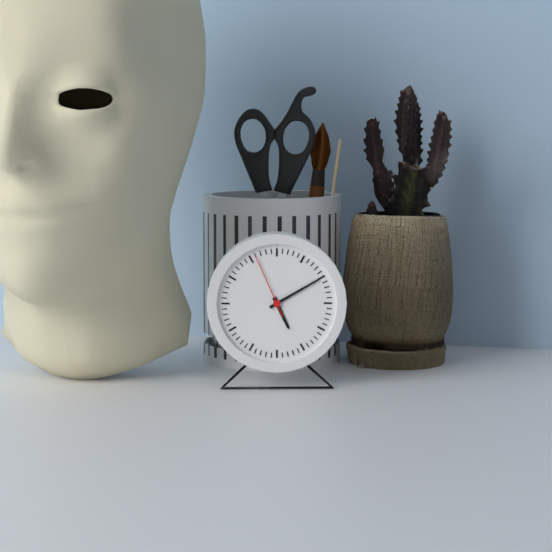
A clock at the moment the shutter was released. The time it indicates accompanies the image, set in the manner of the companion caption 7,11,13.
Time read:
5,10,56
